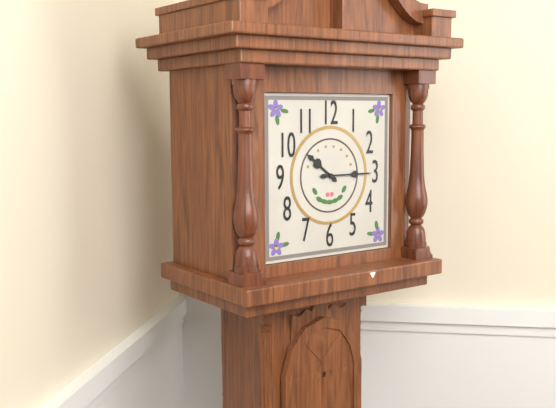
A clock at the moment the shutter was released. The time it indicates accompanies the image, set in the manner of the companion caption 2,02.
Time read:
10,15
